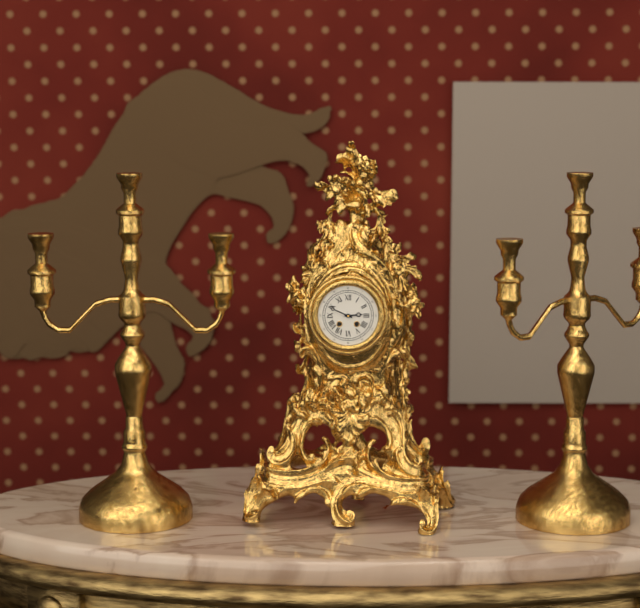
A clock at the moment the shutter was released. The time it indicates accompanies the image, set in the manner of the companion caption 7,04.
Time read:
2,49
